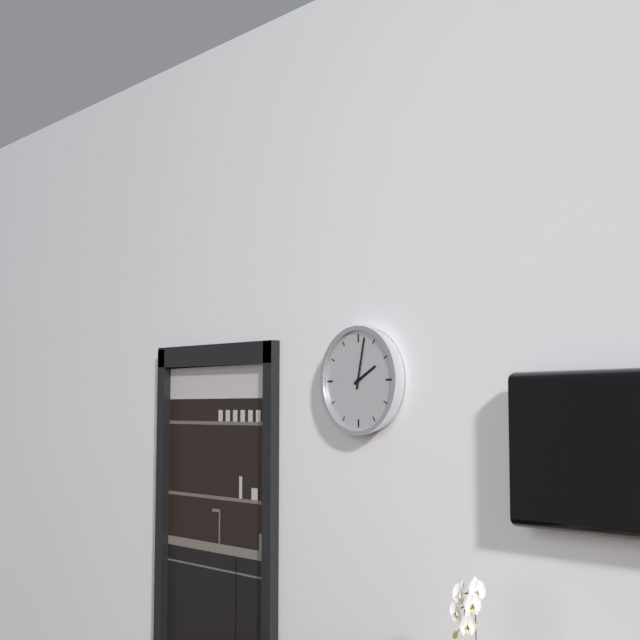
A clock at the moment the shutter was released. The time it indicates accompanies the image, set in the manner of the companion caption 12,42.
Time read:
2,02
